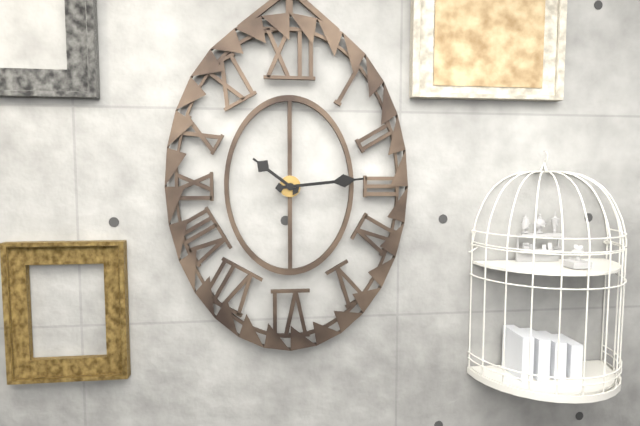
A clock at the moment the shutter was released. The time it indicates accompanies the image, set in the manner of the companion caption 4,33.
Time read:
10,14
